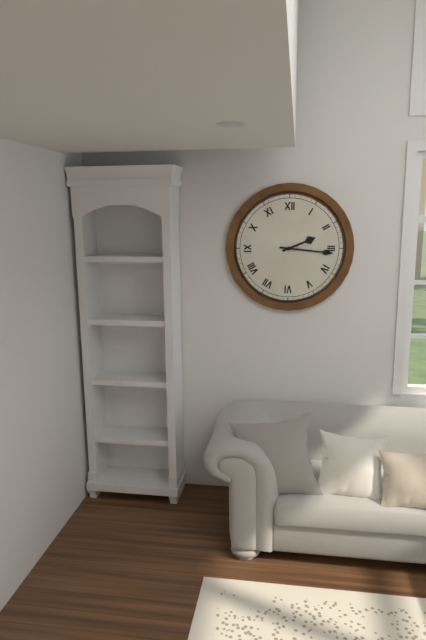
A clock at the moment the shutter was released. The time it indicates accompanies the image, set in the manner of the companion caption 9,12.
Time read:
2,16
